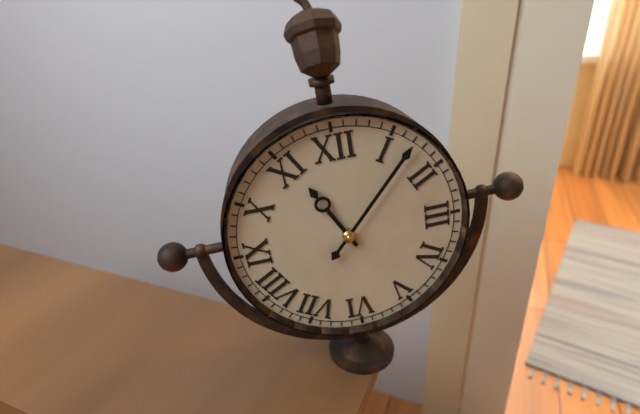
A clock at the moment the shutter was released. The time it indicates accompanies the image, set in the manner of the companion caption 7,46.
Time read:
11,07
